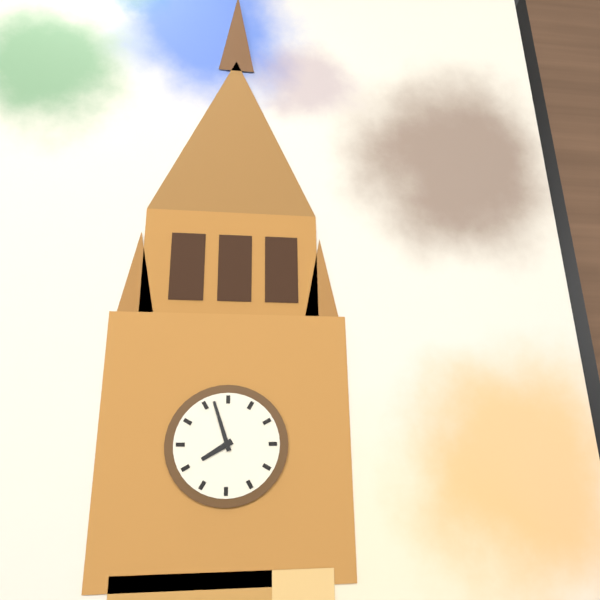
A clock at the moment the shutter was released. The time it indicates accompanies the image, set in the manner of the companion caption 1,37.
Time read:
7,57
